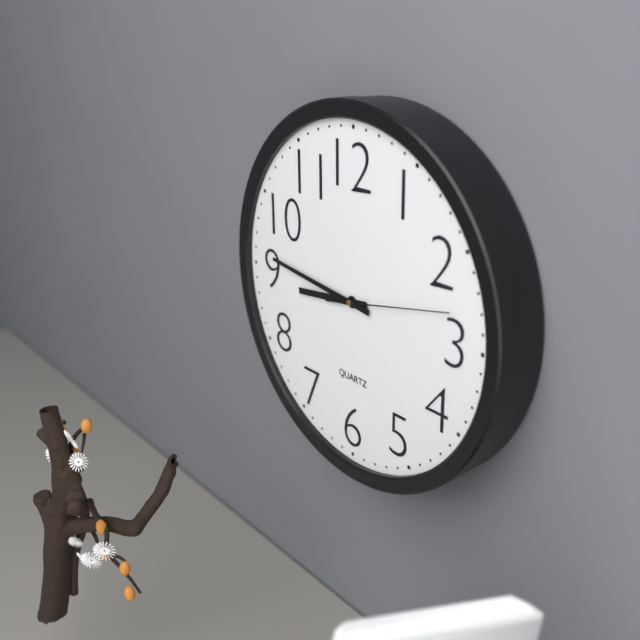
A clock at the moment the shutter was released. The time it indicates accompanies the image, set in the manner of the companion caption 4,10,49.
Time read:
8,46,13
